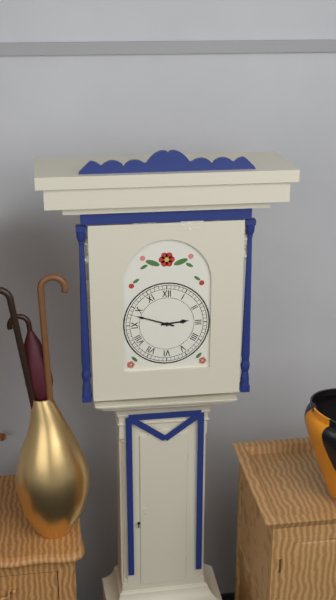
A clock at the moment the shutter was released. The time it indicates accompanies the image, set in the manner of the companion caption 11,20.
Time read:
2,48
